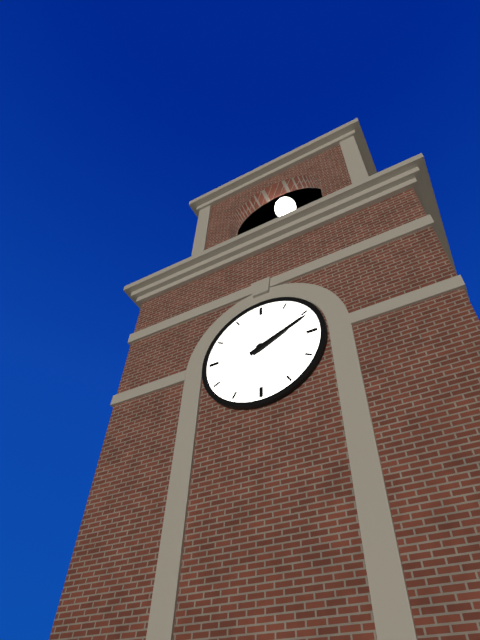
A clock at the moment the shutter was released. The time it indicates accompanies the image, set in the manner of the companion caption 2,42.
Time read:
2,11
